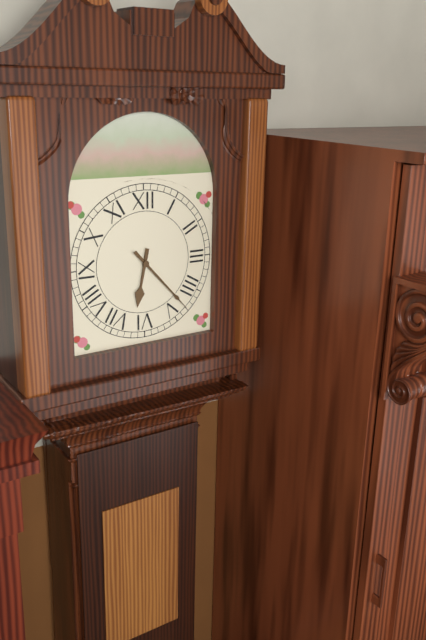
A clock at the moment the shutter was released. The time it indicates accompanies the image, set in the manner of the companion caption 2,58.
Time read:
6,23
